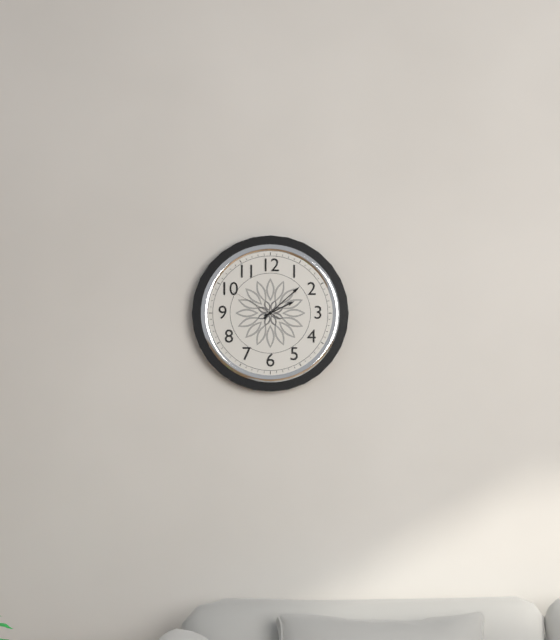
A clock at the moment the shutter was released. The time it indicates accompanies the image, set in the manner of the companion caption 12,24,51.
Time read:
2,08,50
